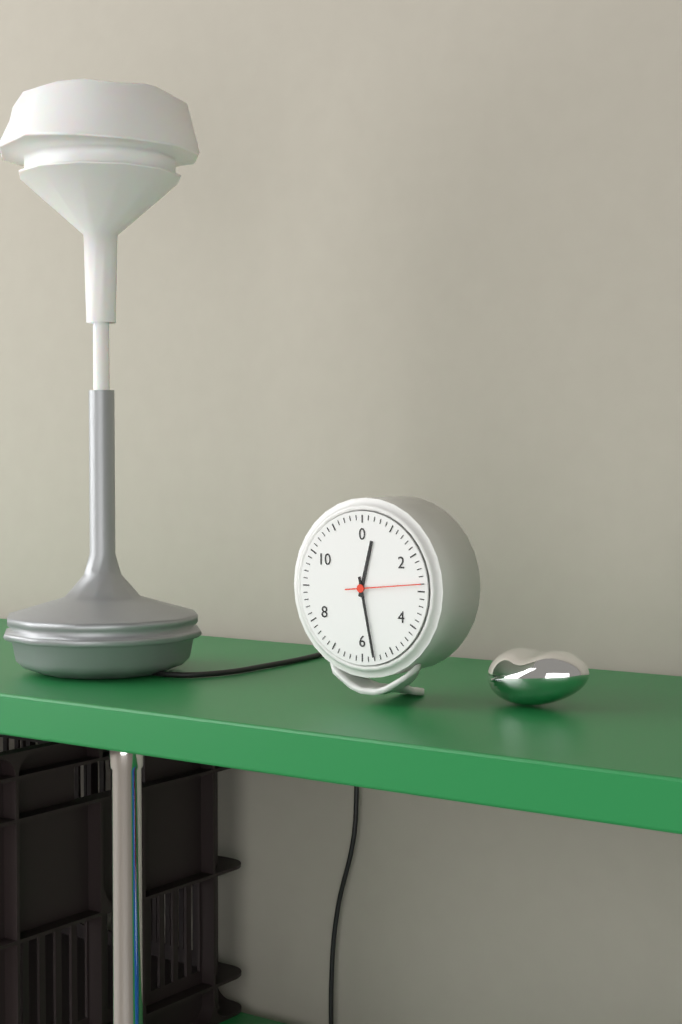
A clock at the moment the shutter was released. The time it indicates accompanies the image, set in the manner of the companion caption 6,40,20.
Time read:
12,28,14
